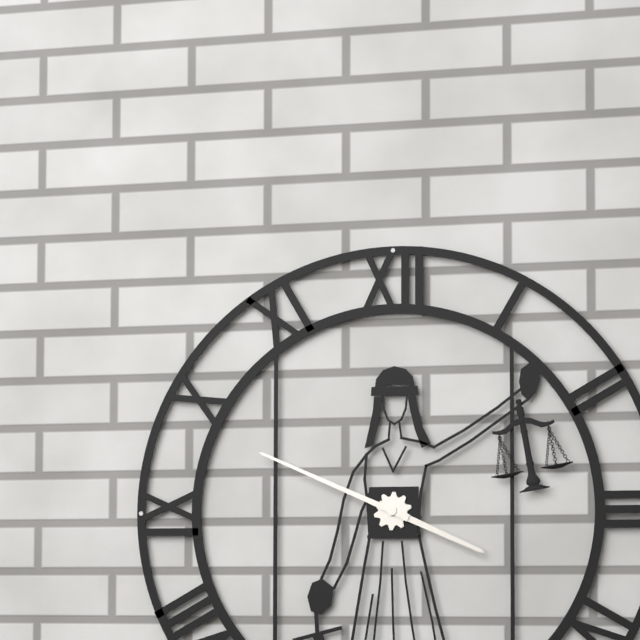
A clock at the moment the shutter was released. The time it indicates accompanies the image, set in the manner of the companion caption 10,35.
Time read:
3,49
